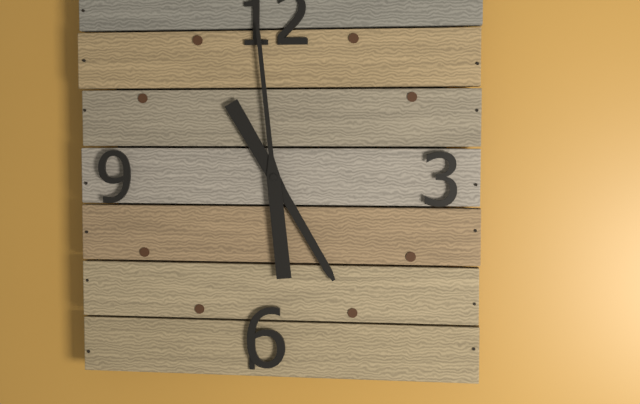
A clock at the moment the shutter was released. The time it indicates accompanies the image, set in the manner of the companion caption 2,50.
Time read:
4,59
